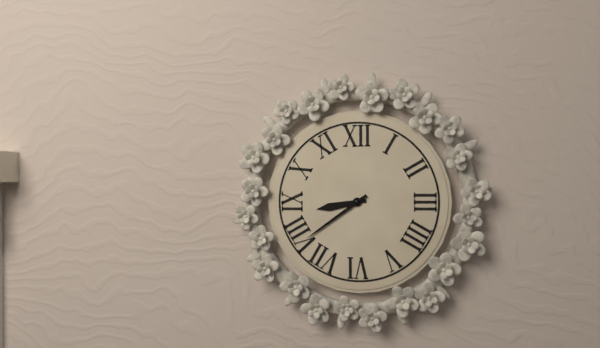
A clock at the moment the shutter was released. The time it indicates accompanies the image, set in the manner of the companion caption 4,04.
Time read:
8,39
